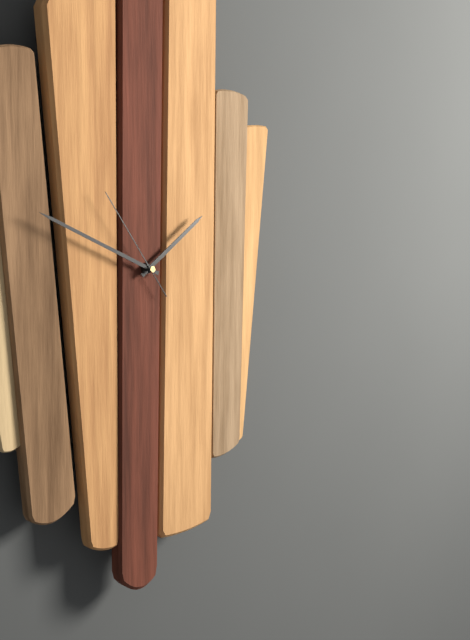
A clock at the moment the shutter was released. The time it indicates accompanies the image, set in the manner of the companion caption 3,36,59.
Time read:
1,49,54
